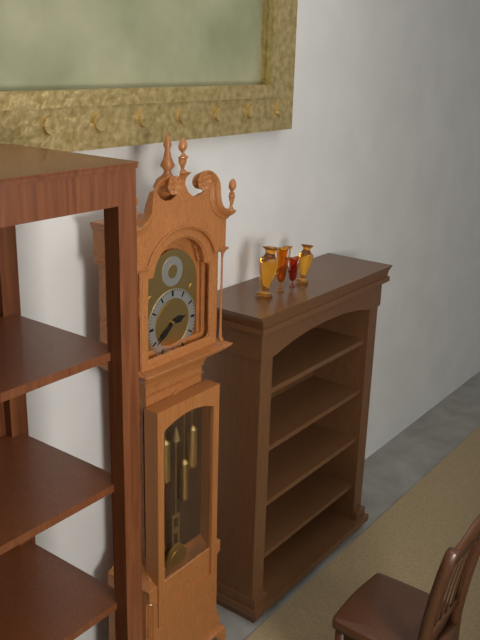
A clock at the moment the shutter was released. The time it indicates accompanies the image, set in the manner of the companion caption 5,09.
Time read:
2,39
